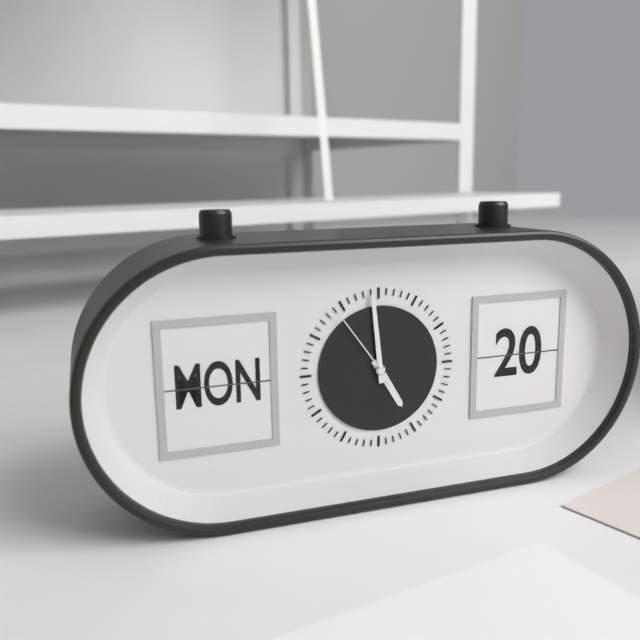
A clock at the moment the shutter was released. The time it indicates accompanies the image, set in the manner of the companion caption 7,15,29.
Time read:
4,59,54
